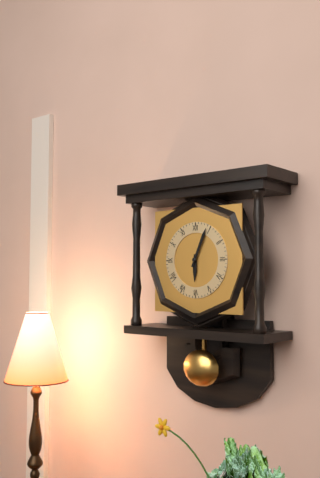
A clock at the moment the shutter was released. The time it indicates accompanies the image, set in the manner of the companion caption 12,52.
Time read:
6,04
